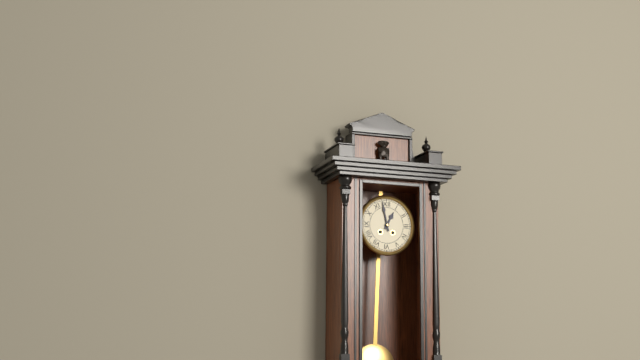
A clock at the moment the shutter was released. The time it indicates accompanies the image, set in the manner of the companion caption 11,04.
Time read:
12,58
